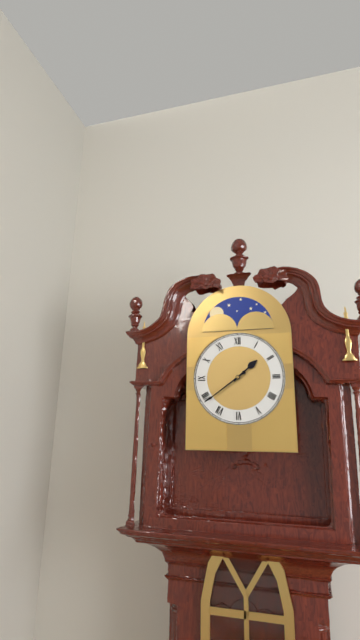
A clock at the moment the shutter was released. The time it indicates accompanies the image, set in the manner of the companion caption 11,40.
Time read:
1,39
